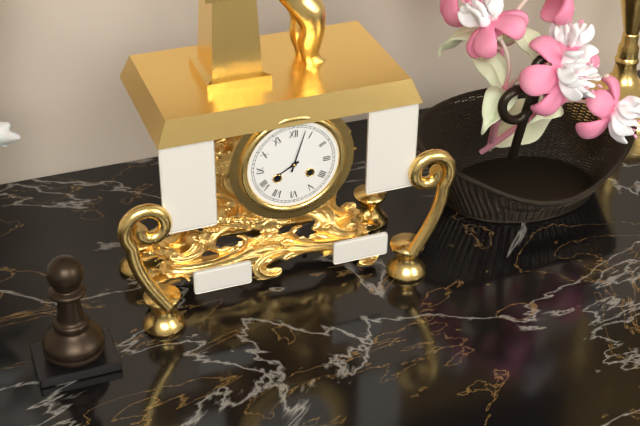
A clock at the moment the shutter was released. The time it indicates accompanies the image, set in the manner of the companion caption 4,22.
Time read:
8,03
